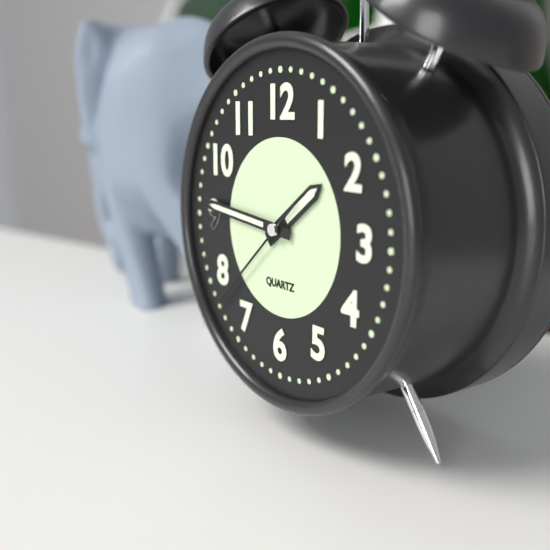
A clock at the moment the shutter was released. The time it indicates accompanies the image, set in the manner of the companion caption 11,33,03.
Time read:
1,46,38
